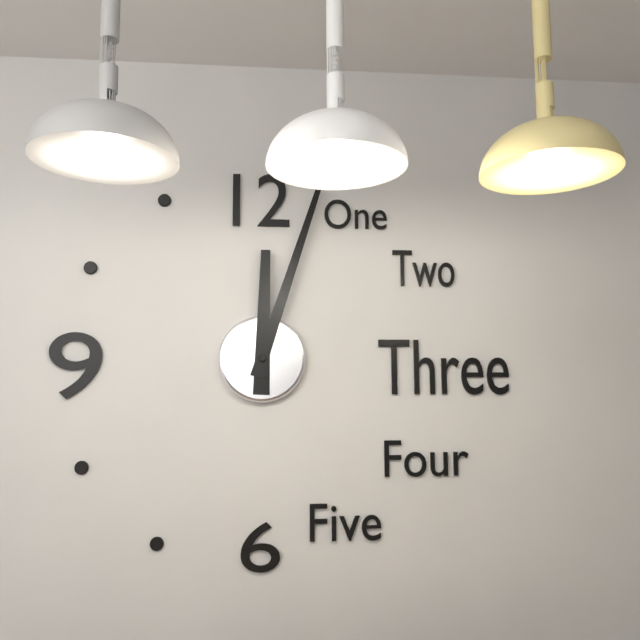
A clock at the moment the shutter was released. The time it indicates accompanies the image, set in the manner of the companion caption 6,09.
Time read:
12,03
